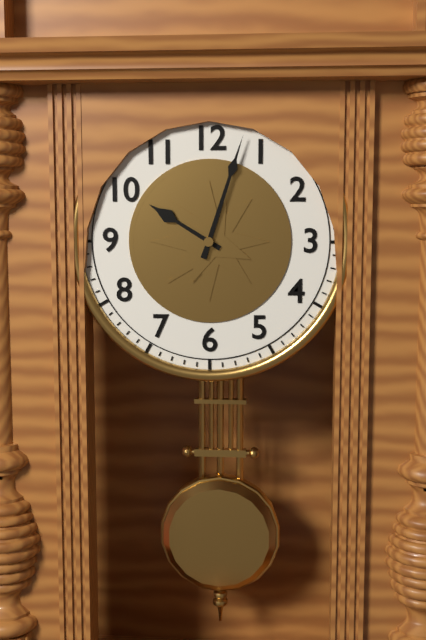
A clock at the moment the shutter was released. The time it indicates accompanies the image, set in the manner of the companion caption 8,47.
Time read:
10,03
